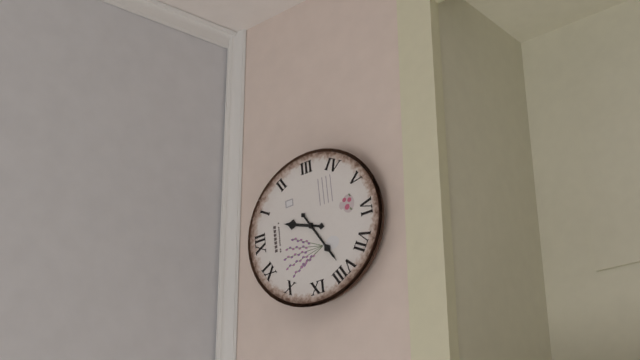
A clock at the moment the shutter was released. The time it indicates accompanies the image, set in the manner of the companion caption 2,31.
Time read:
12,40
